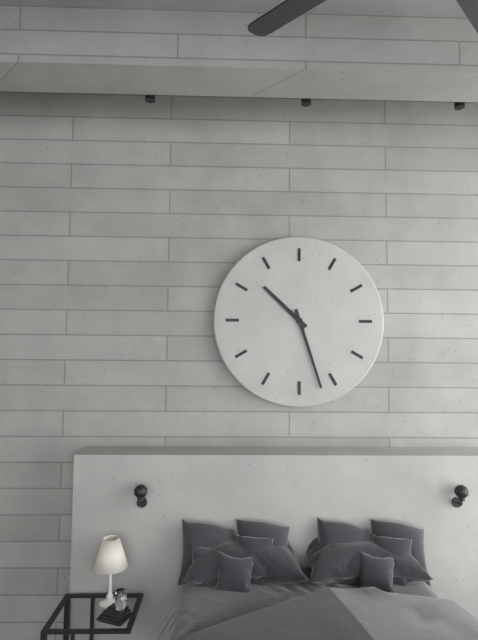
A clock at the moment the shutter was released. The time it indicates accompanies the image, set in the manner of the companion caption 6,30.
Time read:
10,27
